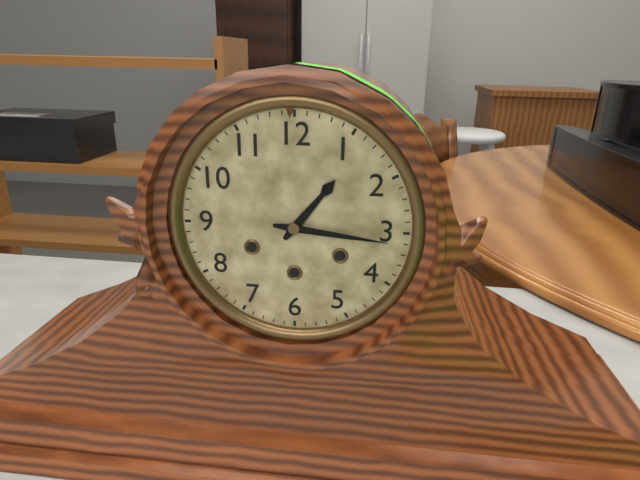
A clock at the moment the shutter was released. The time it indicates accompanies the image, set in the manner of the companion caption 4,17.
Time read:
1,16
